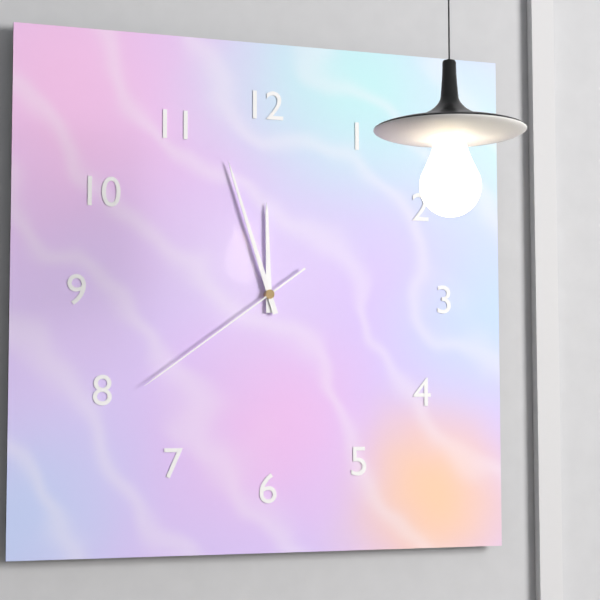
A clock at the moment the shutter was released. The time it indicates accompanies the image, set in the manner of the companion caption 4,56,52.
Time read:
11,57,39
